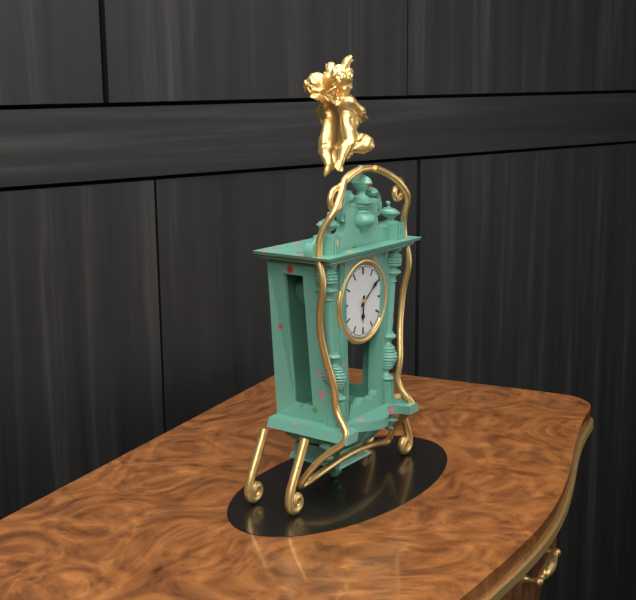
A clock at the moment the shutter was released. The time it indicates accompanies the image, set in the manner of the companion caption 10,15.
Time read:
6,09
